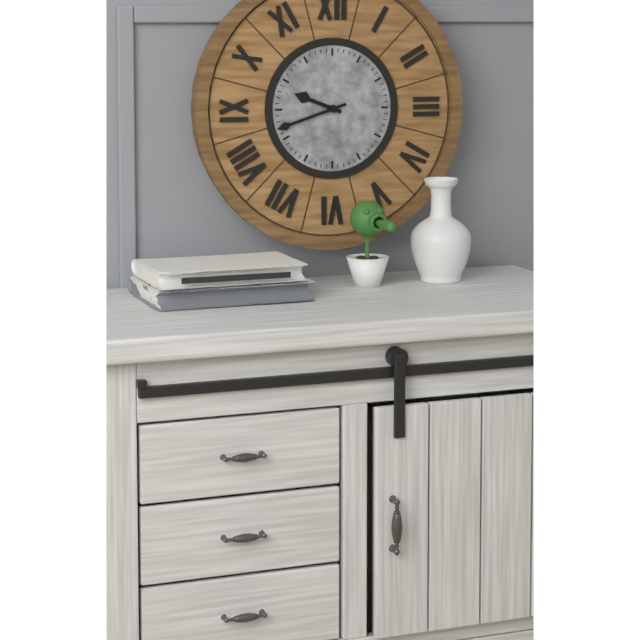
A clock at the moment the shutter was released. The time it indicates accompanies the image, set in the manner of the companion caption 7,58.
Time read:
9,42
